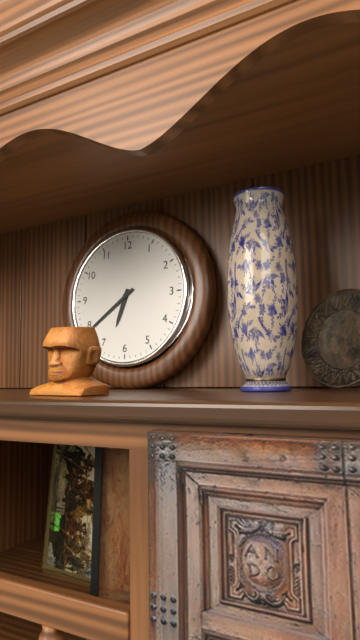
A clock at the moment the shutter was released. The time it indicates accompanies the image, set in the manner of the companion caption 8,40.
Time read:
6,39
